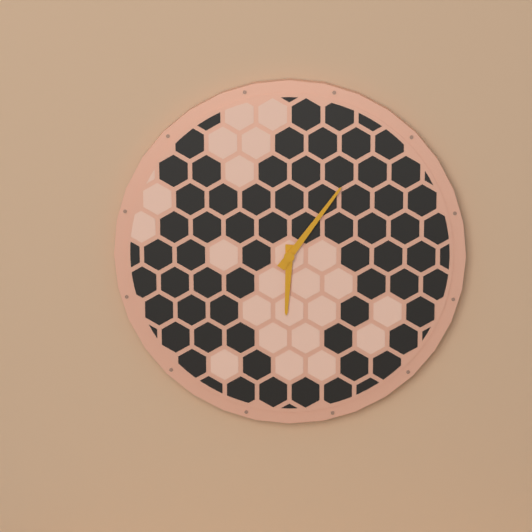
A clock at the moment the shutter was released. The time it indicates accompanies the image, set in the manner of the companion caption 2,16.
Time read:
6,06
